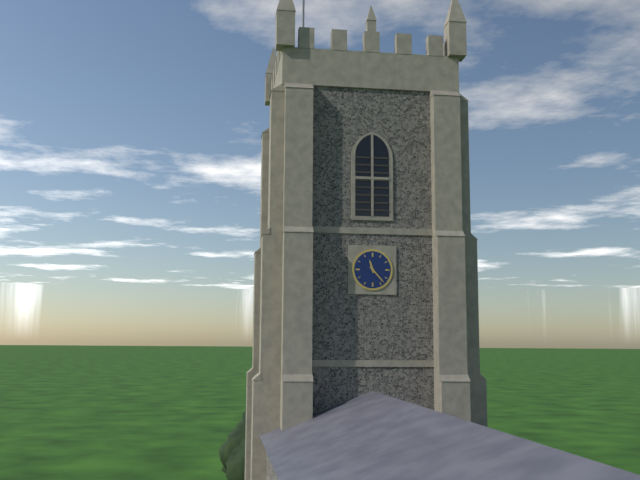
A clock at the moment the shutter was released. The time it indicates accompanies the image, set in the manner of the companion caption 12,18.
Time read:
11,23
